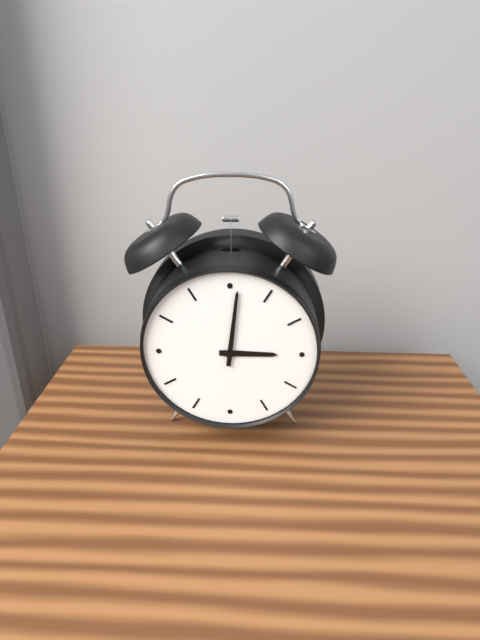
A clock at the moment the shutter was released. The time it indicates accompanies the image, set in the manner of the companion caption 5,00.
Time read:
3,01
